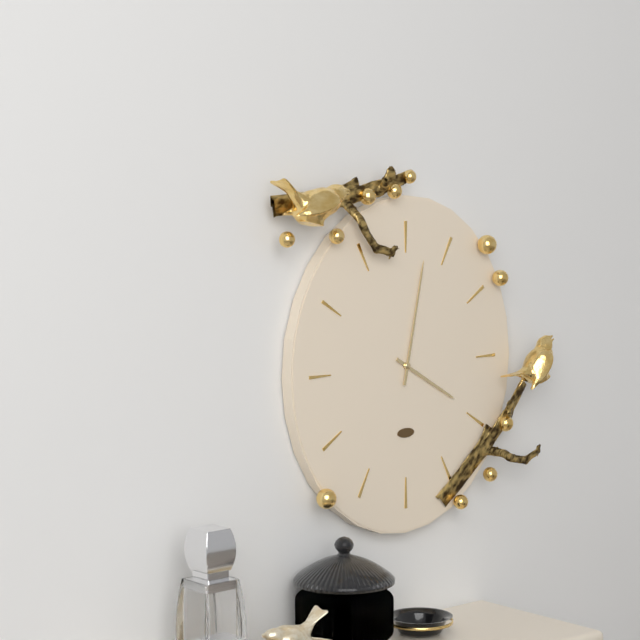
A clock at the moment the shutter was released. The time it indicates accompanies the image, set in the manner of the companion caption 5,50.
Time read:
4,02
